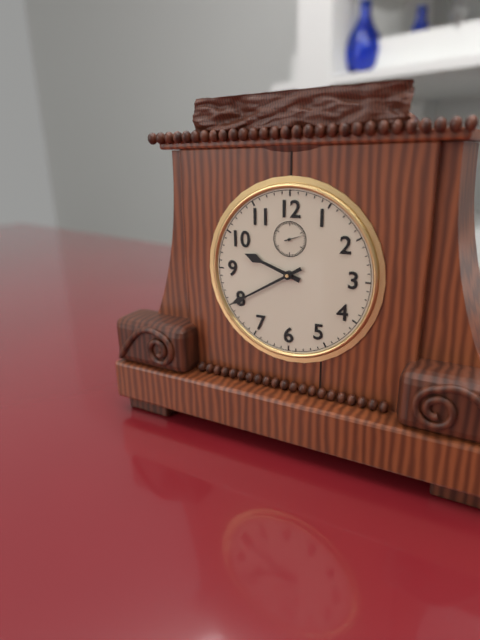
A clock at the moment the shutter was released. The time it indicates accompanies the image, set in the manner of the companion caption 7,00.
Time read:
9,40
